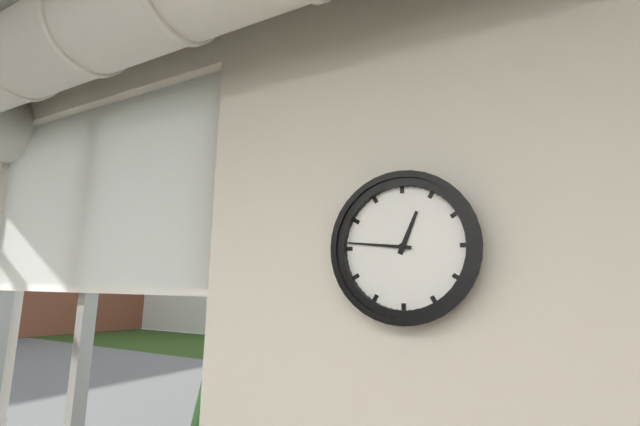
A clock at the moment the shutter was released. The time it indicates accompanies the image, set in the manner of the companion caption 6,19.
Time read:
12,46
